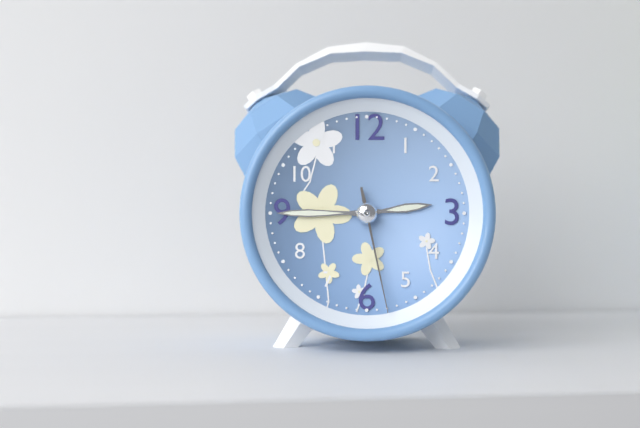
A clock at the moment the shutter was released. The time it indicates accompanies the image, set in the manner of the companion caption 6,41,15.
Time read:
2,45,28
